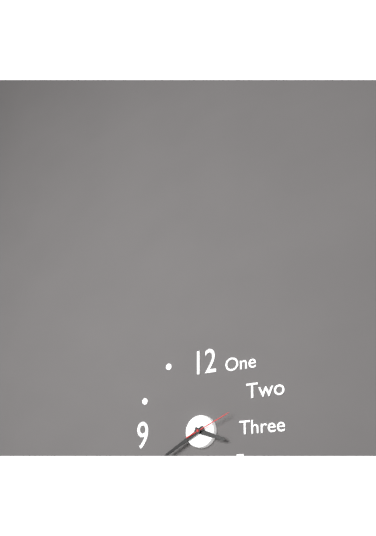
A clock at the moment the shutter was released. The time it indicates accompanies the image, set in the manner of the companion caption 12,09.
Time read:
3,40
